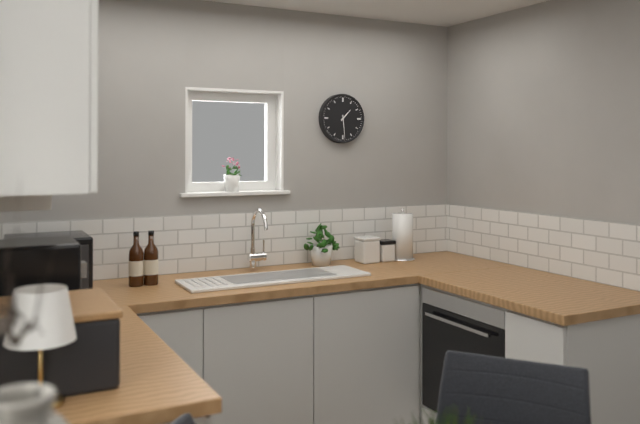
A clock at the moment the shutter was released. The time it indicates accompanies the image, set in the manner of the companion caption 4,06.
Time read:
1,29
